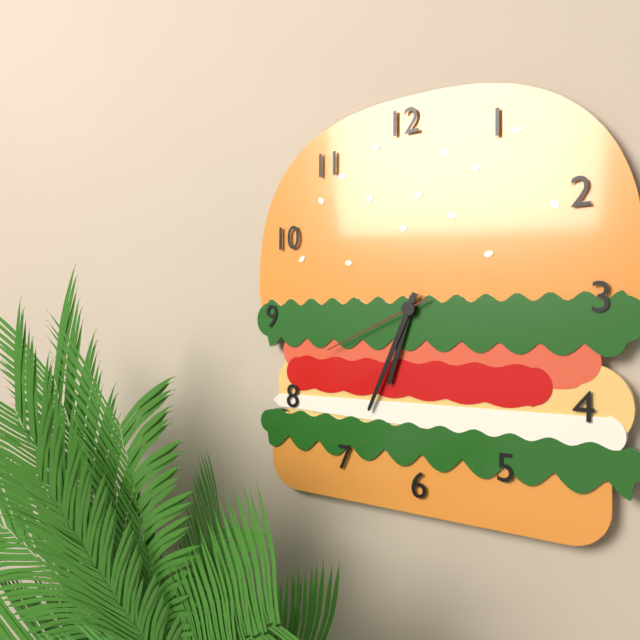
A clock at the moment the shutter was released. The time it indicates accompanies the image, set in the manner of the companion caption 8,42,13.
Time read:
6,34,41
